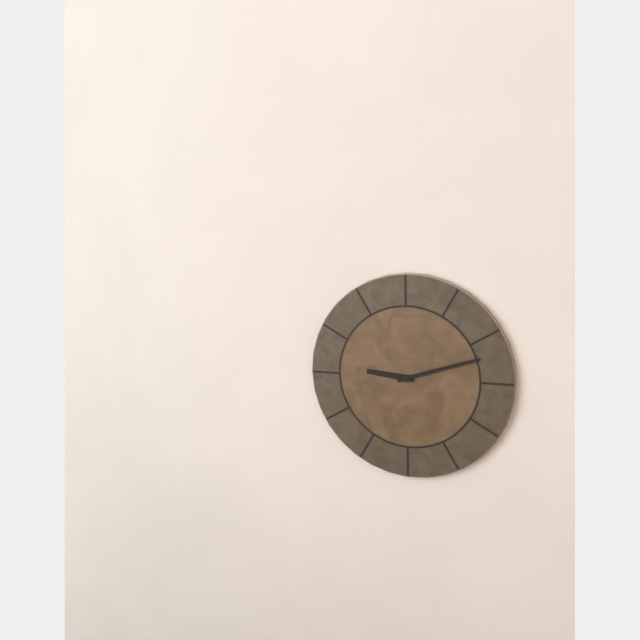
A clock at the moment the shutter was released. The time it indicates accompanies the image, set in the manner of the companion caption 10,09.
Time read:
9,12
